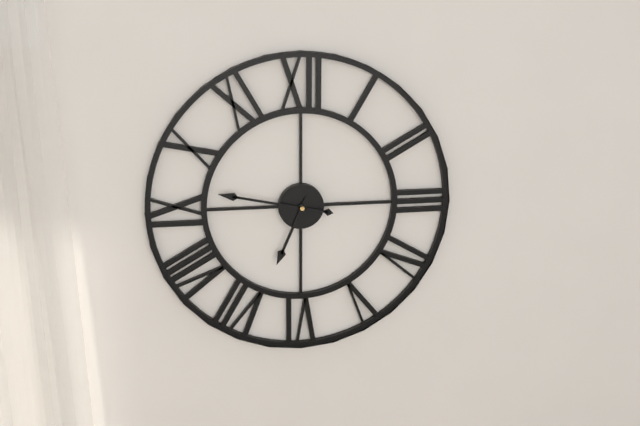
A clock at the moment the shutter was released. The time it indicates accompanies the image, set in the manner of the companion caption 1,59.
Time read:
6,47
